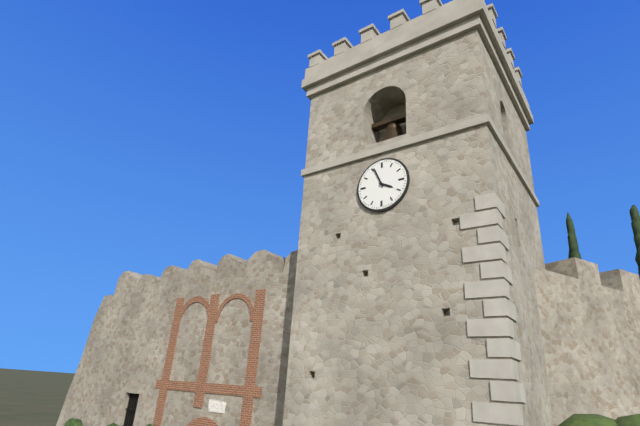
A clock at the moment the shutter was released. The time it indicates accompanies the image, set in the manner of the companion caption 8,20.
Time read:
3,56
